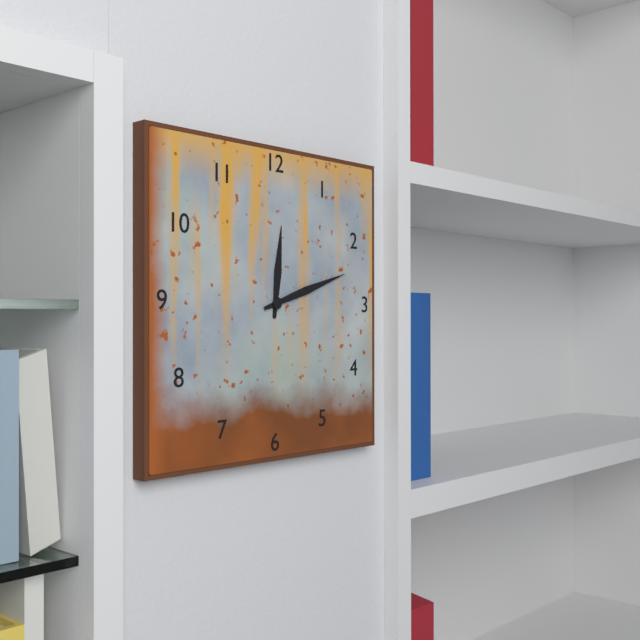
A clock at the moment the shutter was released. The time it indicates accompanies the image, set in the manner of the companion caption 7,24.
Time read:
12,12
